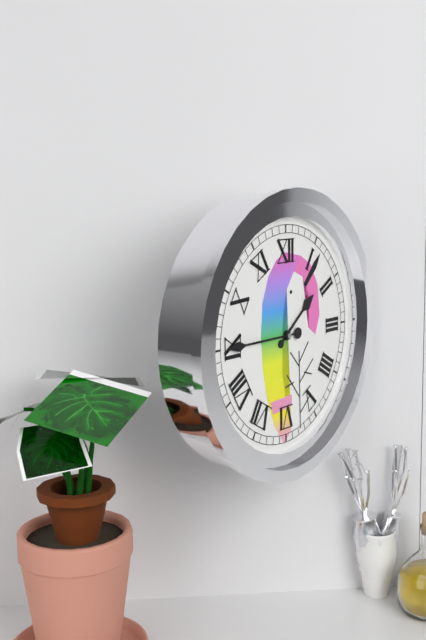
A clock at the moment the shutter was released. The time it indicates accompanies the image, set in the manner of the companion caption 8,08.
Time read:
1,45
